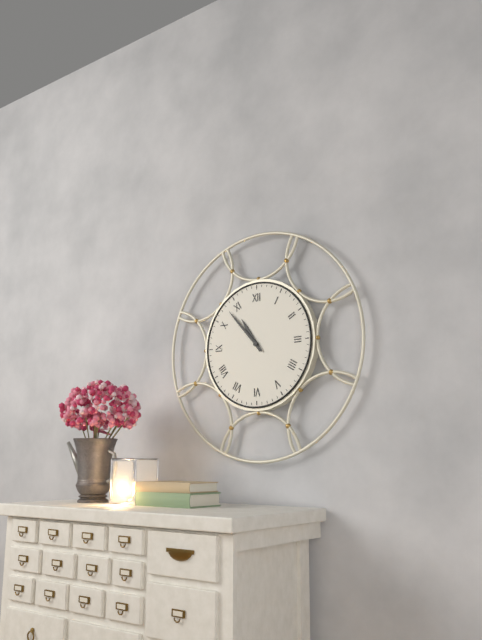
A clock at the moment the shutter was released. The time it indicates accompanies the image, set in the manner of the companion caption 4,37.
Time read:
10,53
